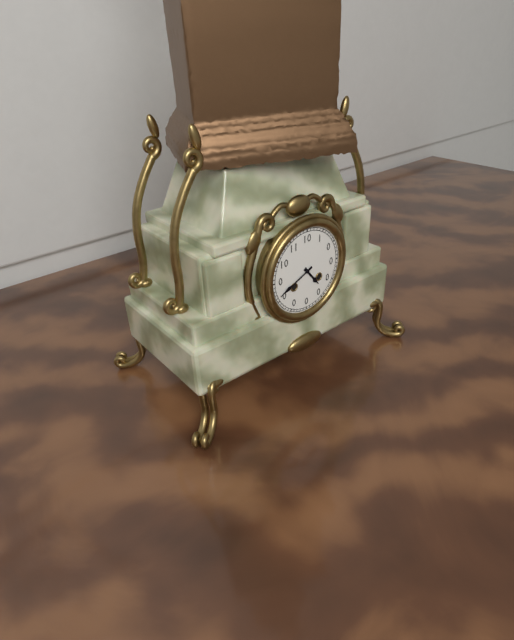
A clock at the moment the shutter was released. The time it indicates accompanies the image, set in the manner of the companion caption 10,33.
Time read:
4,41
